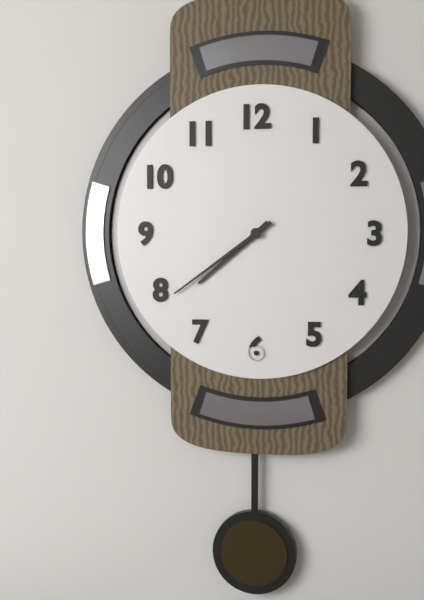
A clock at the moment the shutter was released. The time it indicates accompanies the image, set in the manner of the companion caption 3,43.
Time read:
7,39
